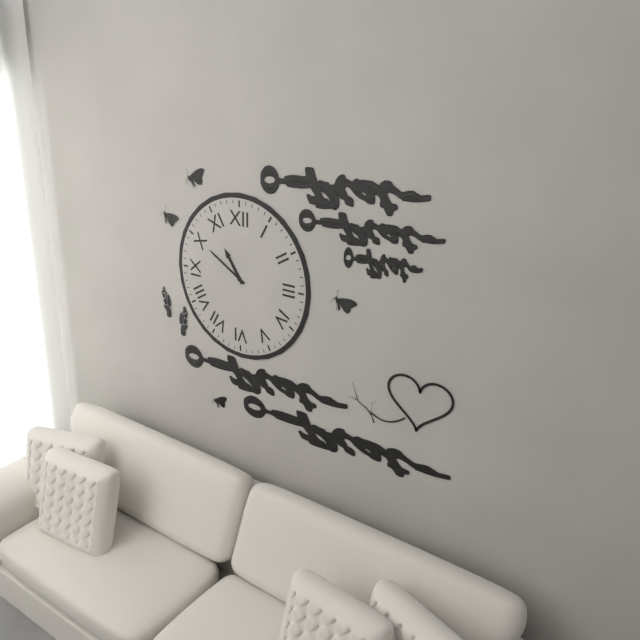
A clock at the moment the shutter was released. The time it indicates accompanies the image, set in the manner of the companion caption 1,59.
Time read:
10,50
